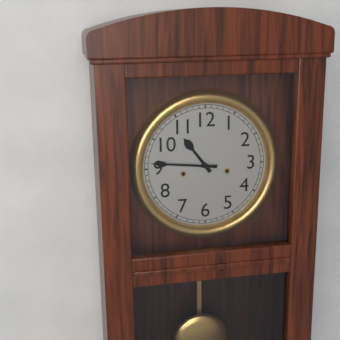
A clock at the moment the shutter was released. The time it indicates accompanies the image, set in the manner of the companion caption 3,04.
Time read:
10,46
